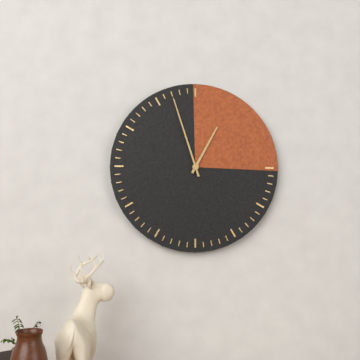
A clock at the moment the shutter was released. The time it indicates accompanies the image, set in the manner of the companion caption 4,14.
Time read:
12,57
